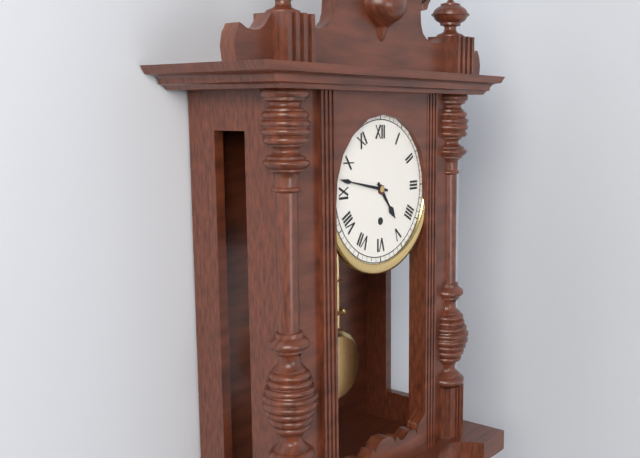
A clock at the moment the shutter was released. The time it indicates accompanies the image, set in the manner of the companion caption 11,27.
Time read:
4,47
